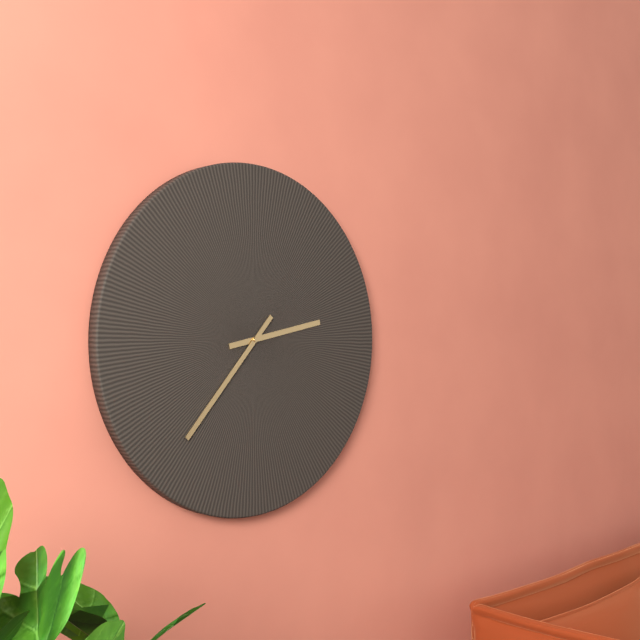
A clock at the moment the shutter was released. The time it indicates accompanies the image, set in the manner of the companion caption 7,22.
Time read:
2,37
